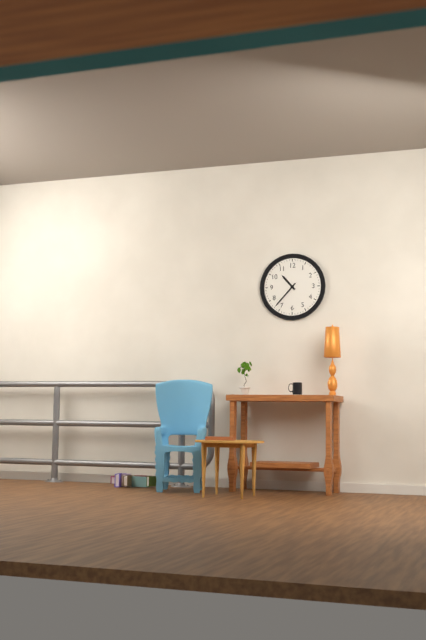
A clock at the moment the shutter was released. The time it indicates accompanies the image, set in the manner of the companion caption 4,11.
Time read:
10,37
